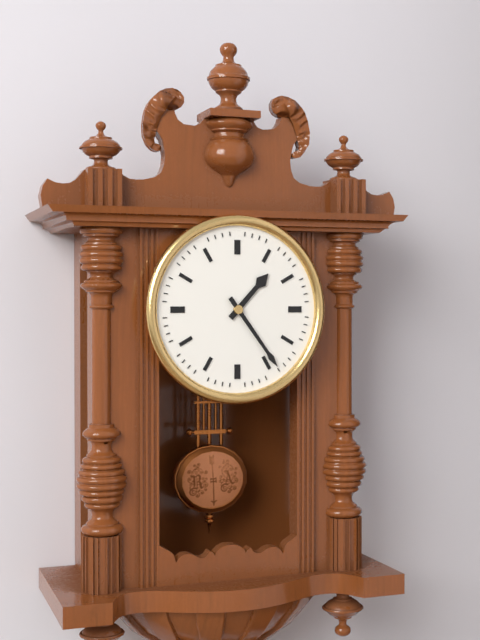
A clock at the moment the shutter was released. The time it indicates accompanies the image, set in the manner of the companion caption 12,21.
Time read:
1,24
